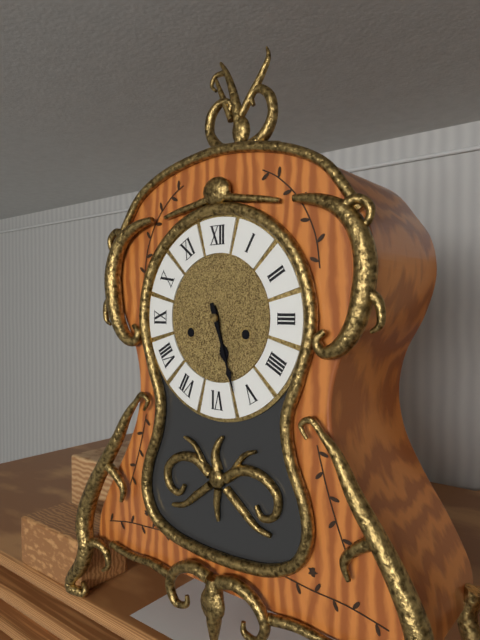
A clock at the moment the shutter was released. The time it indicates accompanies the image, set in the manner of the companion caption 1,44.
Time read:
5,27
